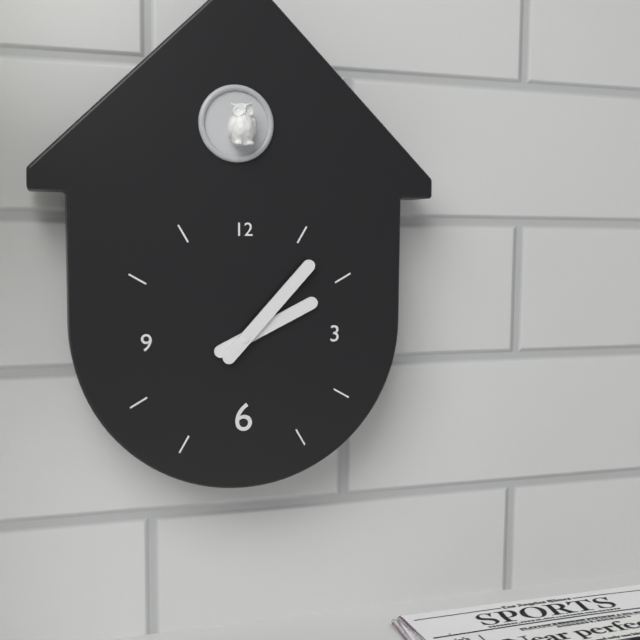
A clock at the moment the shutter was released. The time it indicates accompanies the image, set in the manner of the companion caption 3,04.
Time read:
2,07
